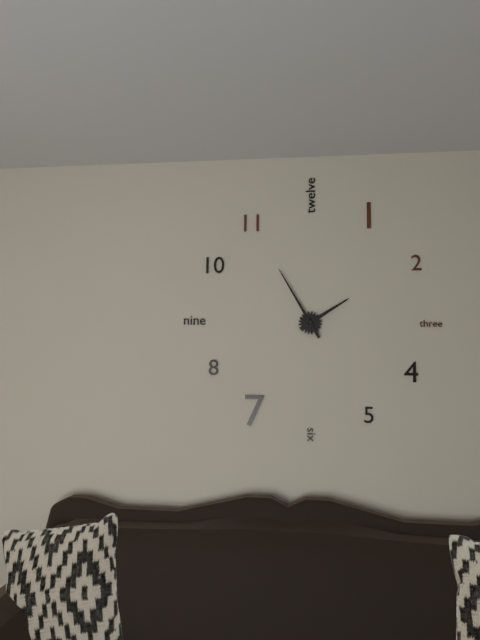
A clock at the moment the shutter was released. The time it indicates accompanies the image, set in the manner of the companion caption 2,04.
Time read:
1,55
